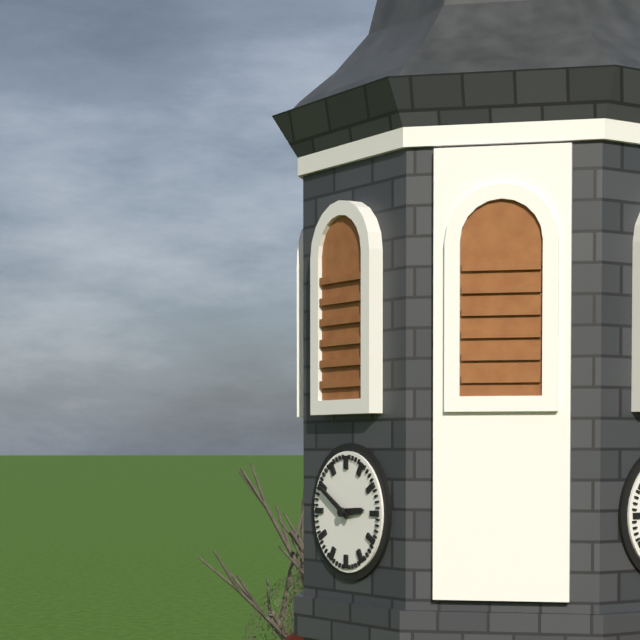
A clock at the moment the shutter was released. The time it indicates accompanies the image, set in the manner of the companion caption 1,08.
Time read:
2,50
